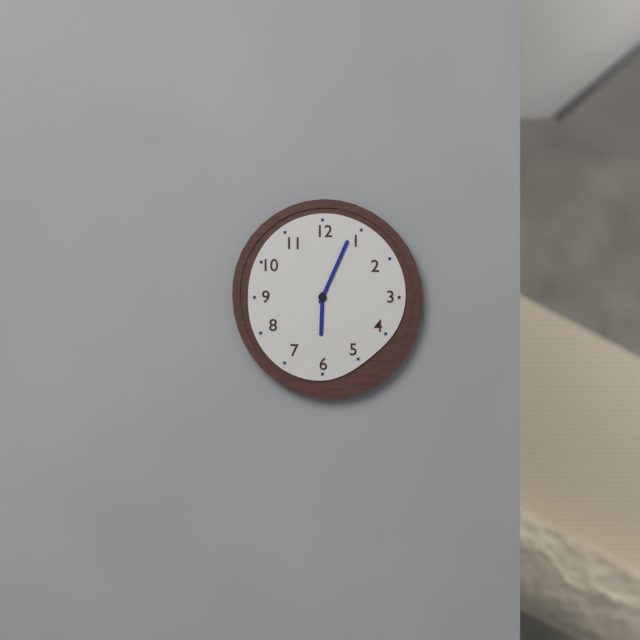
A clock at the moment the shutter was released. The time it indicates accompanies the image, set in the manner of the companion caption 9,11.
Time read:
6,04
